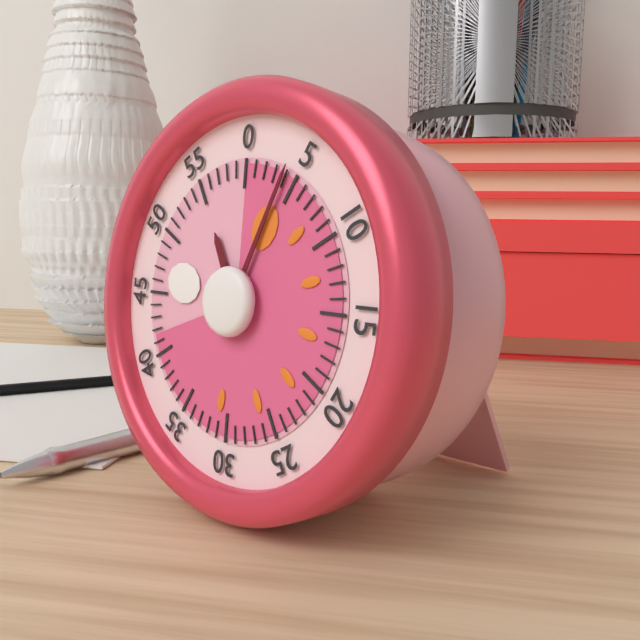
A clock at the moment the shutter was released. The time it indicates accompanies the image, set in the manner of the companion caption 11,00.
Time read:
11,04
